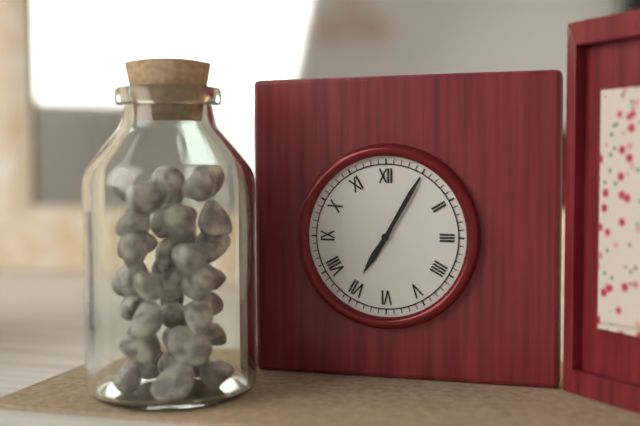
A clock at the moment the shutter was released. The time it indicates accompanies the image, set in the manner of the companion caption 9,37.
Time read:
7,05
